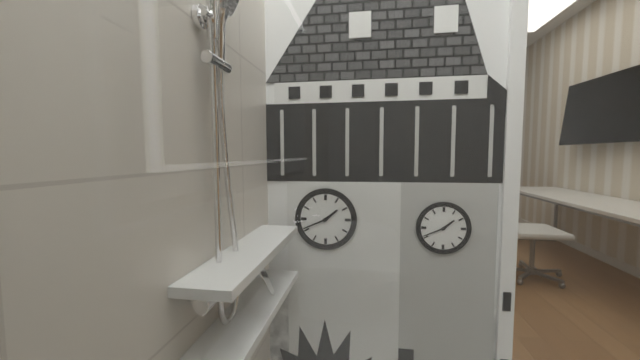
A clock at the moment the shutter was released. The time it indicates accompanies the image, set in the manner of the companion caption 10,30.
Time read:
1,41
